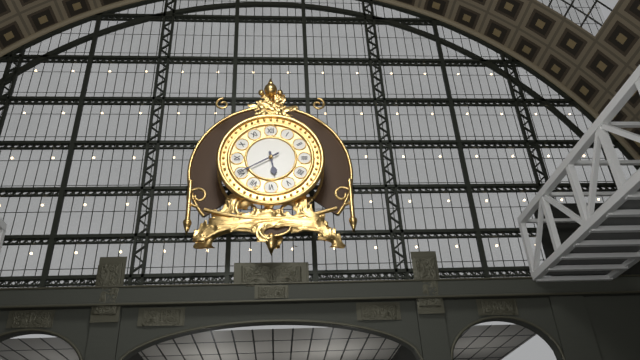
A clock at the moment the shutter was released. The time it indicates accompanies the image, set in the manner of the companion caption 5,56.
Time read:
5,40
